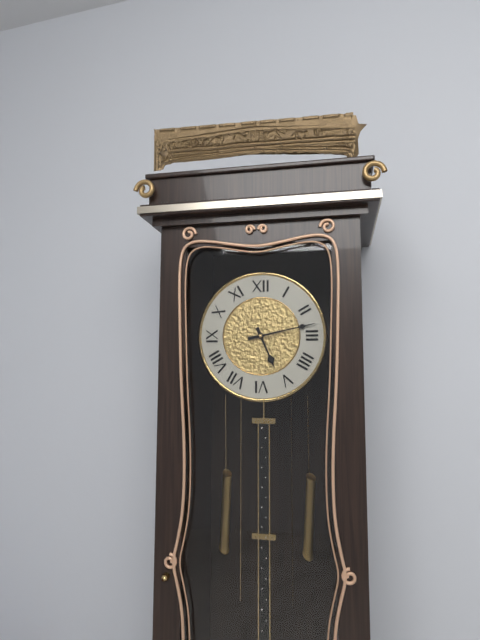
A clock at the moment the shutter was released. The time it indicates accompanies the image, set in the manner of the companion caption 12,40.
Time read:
5,13
